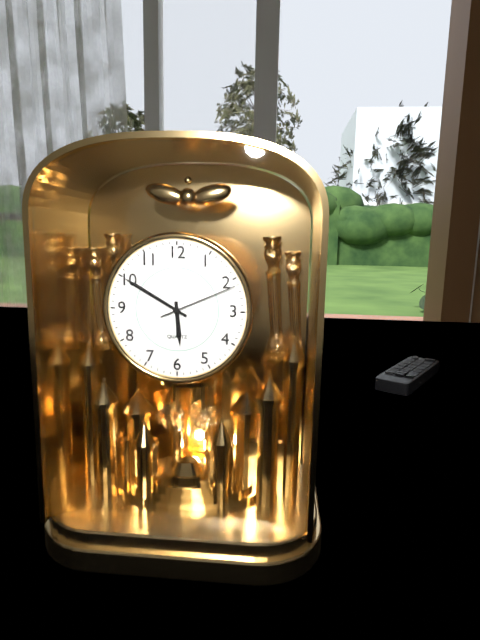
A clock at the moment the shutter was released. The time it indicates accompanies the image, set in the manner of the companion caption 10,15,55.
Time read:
5,50,11
